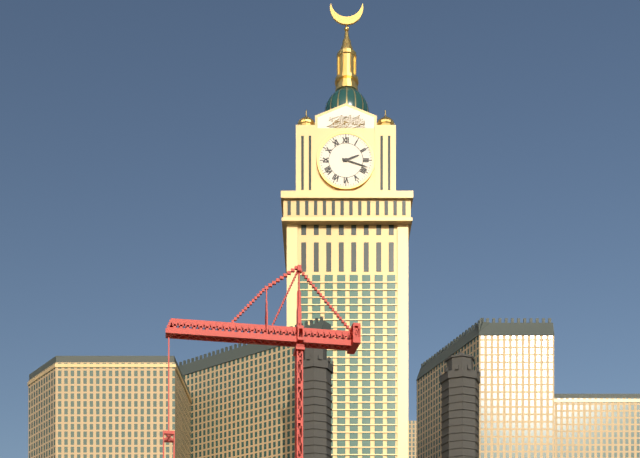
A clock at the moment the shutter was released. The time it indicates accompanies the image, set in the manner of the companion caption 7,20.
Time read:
2,18
